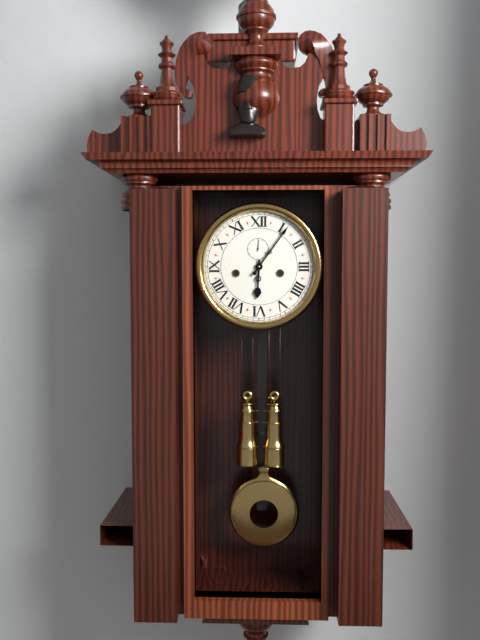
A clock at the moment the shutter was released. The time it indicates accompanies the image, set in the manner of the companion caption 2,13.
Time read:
6,06
